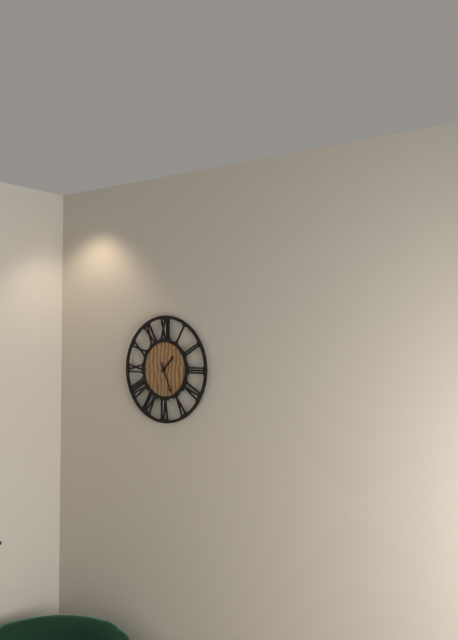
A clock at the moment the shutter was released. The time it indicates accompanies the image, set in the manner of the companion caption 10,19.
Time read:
1,26
